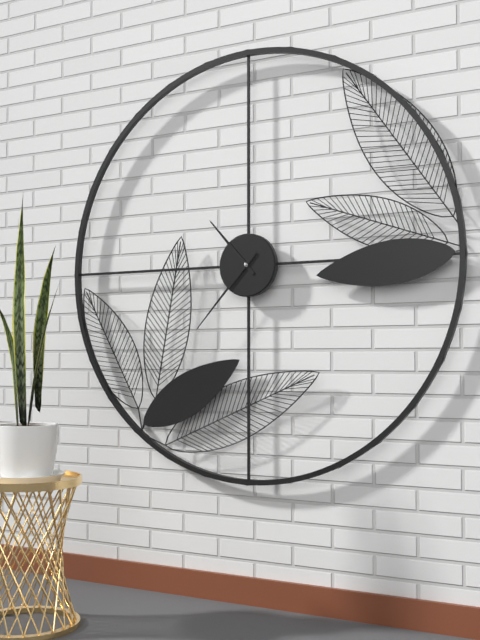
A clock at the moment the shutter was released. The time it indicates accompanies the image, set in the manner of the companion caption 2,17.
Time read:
10,37
